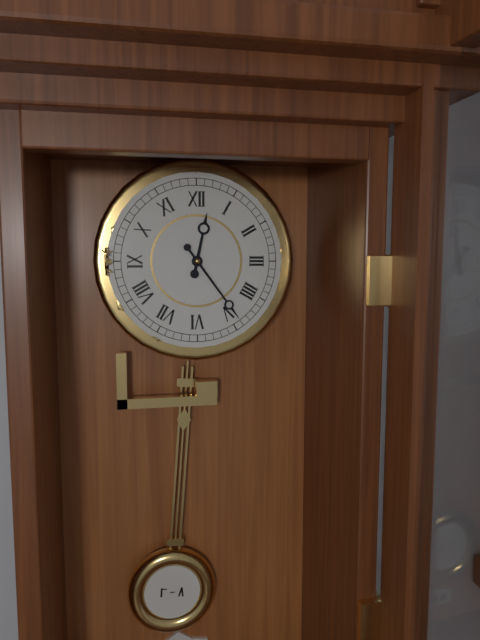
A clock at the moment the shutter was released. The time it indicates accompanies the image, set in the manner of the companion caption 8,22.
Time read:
12,24
